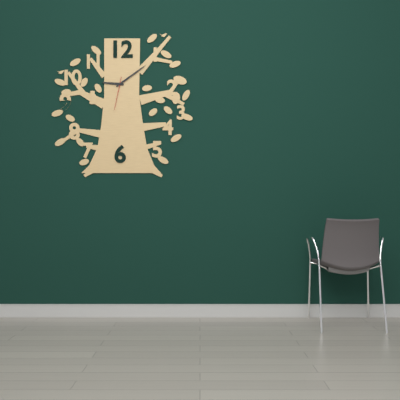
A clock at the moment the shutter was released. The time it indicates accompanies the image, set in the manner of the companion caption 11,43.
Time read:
9,09
